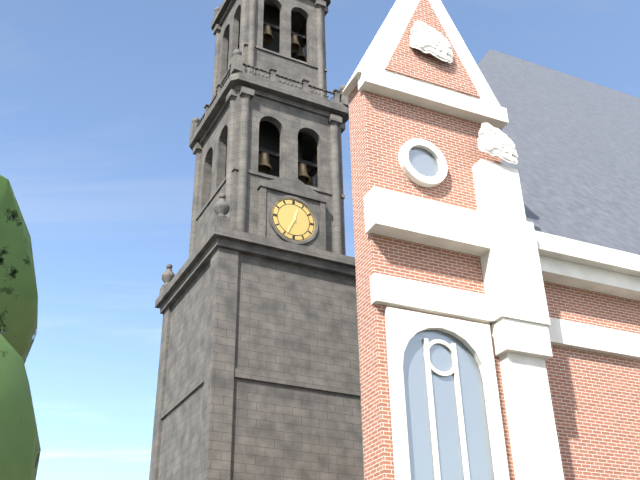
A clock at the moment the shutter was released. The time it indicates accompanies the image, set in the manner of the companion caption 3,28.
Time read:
12,34
